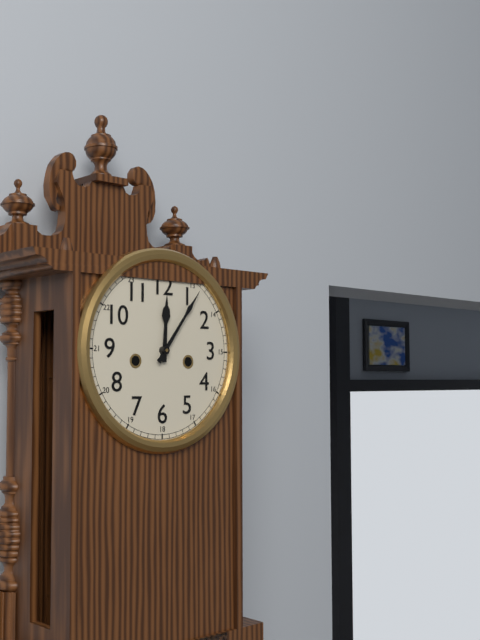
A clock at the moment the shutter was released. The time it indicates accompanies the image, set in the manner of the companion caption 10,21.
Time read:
12,06
